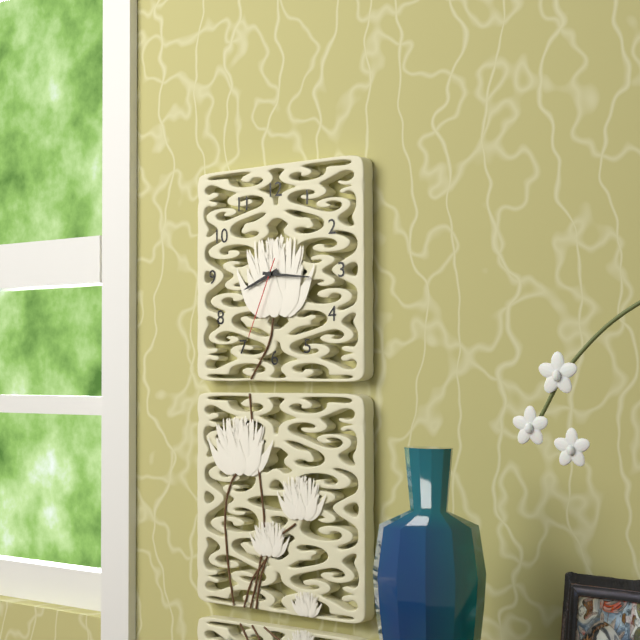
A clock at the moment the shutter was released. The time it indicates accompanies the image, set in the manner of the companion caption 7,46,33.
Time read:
8,16,34
